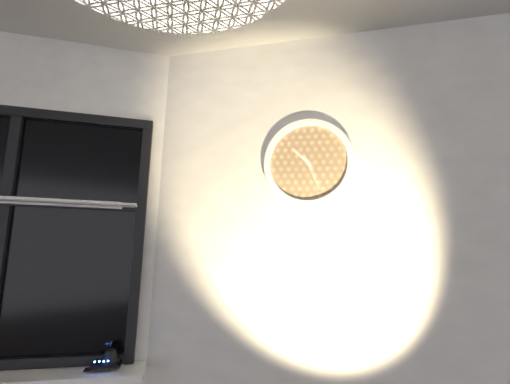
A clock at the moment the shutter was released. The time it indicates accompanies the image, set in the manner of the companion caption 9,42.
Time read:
10,26
